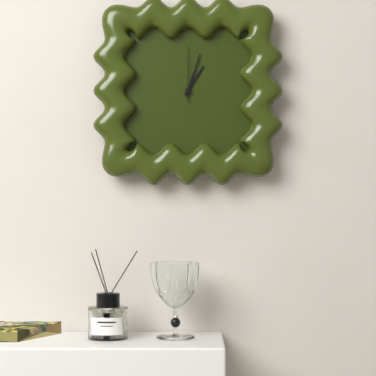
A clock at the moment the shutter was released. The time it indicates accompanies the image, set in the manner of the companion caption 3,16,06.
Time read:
1,03,00
